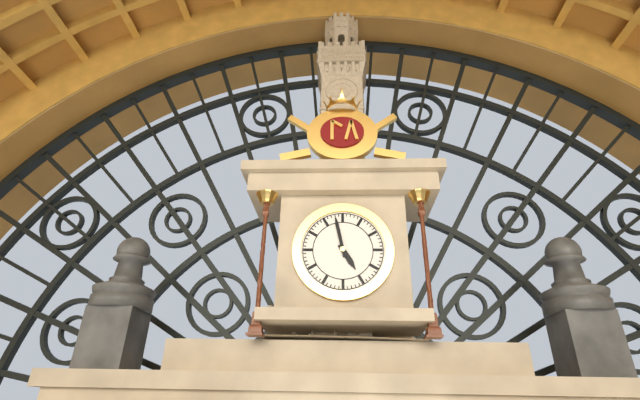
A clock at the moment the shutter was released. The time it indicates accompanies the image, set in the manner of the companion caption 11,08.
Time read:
4,58
